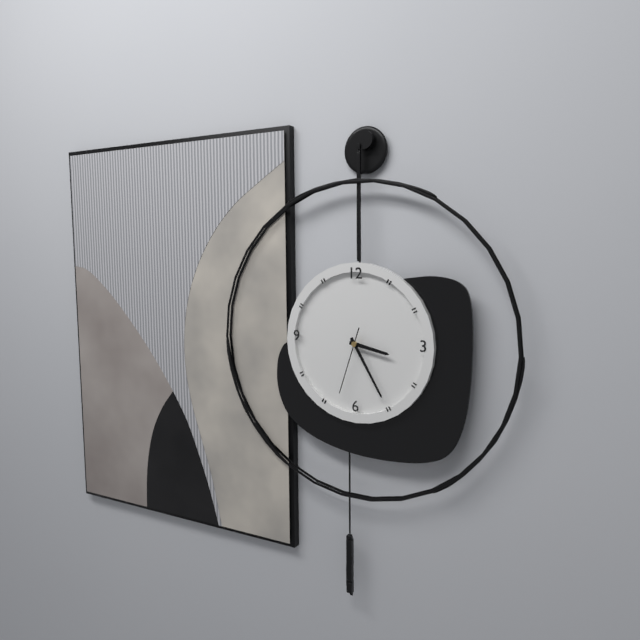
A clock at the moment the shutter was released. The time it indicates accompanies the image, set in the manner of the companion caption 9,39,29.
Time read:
3,25,33
